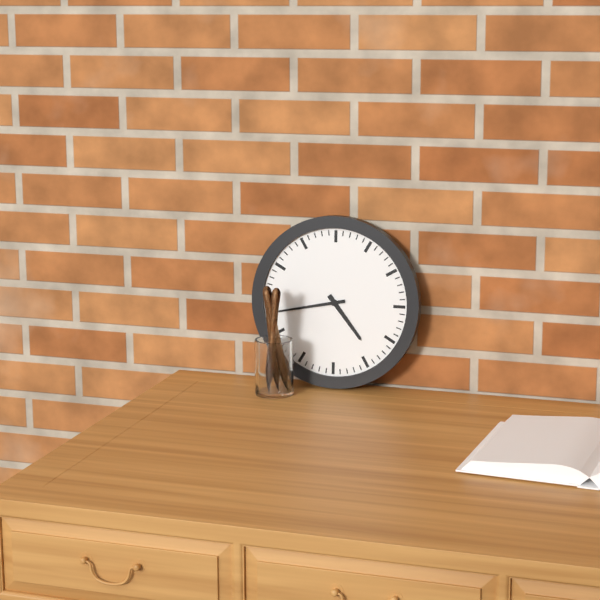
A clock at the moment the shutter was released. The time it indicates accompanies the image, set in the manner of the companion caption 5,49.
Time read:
4,43
